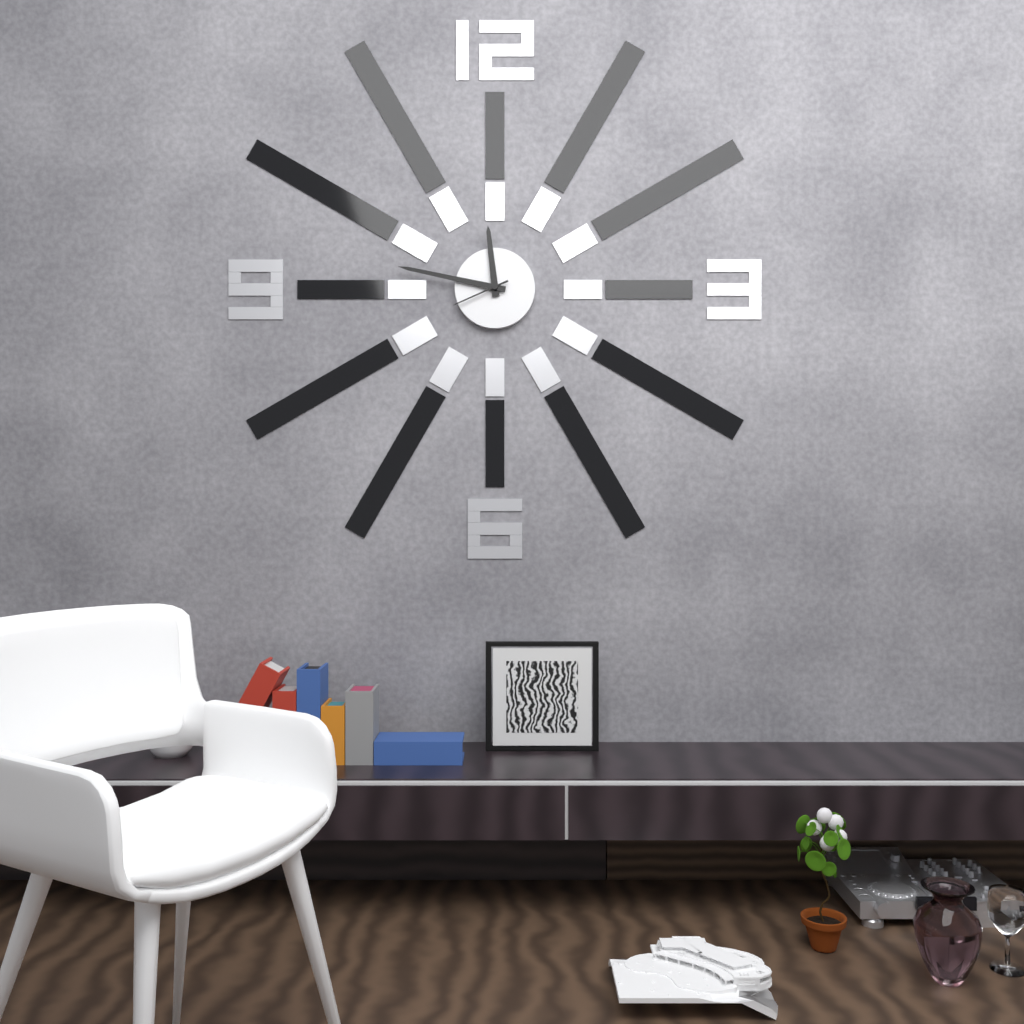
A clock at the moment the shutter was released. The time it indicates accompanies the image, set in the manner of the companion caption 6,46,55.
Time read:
11,47,41
